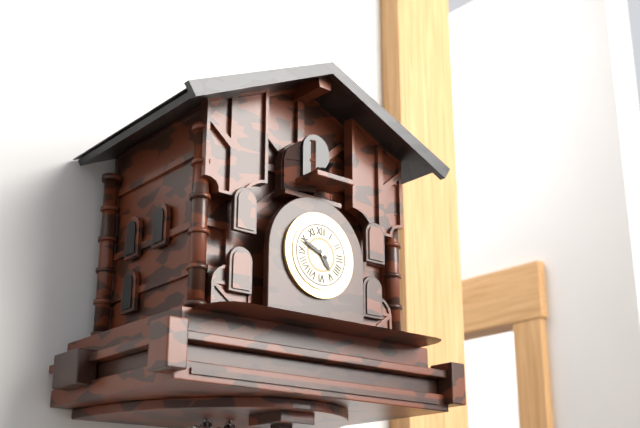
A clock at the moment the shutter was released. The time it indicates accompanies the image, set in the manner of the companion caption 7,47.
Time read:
4,49
